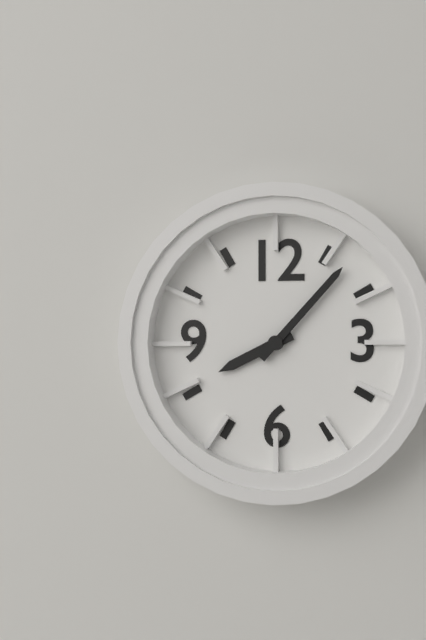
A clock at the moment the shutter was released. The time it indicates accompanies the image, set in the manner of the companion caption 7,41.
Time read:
8,07
